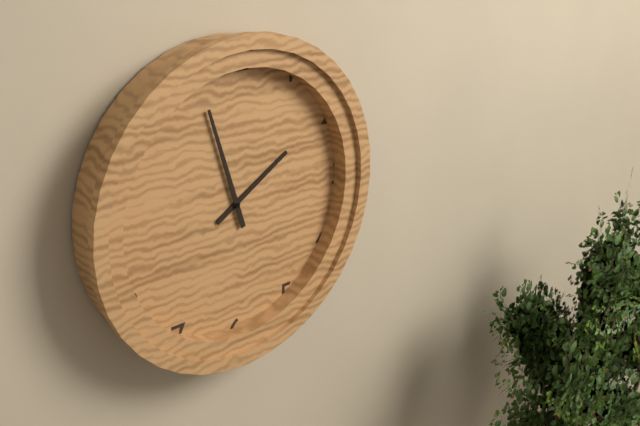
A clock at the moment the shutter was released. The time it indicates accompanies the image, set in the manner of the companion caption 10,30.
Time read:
1,57
